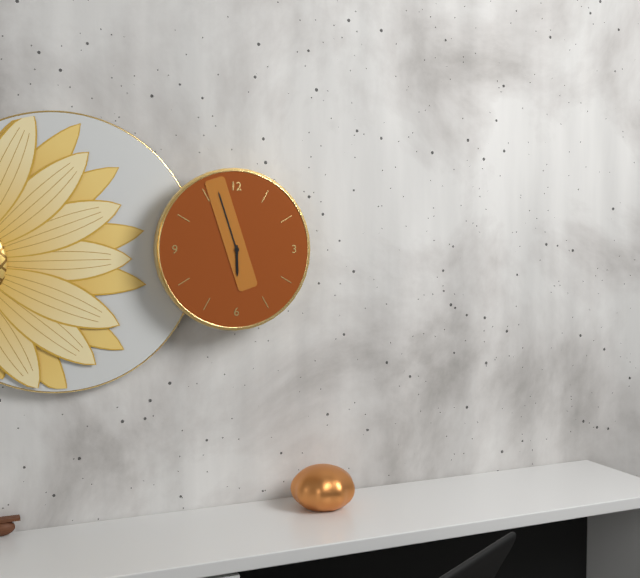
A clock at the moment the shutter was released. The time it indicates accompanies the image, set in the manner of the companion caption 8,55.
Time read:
5,57
